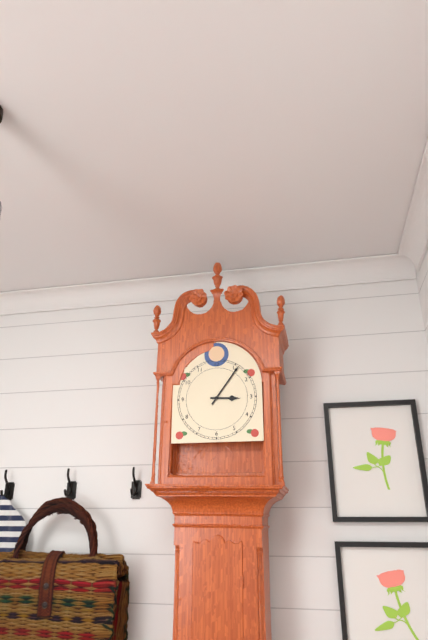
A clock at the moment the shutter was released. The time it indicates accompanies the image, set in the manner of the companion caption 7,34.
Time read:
3,06
